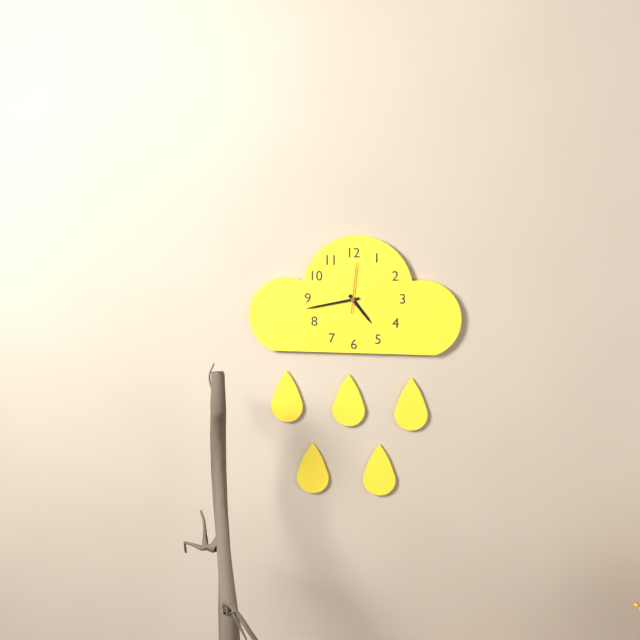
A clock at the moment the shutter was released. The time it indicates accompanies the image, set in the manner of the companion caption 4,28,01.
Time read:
4,43,01
